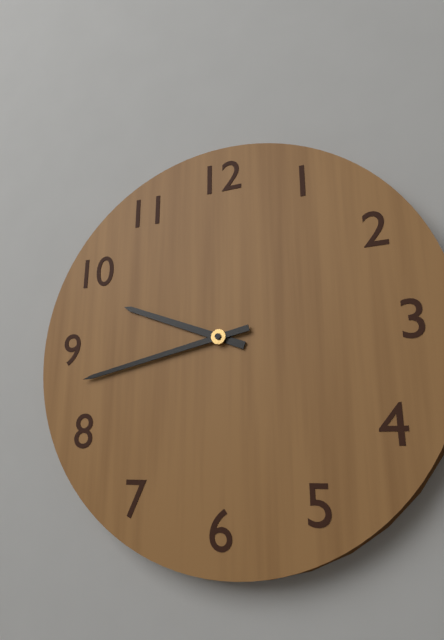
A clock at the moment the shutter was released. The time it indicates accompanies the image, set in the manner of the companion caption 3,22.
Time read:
9,43
